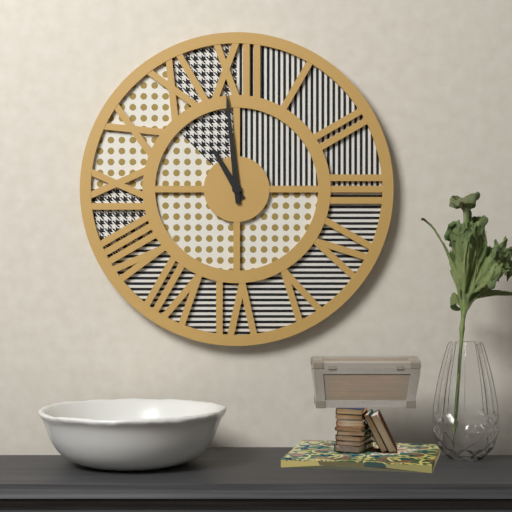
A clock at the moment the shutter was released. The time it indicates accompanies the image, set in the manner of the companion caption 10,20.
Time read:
10,59
